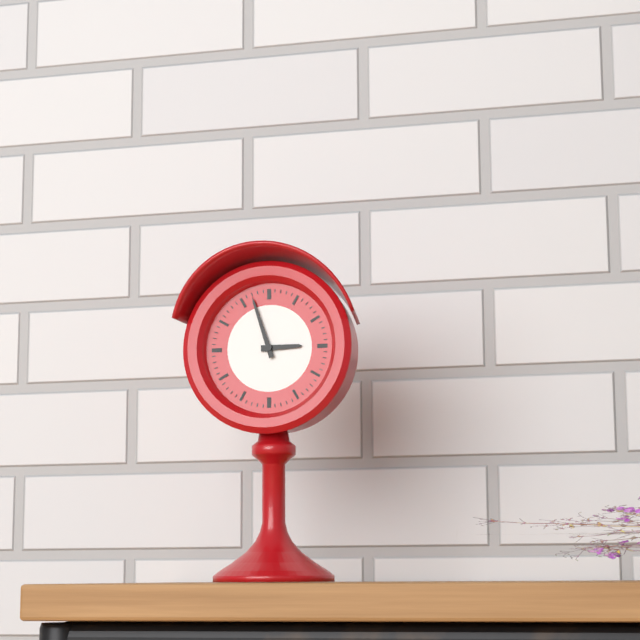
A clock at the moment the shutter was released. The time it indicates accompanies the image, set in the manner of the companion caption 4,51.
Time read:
2,57
